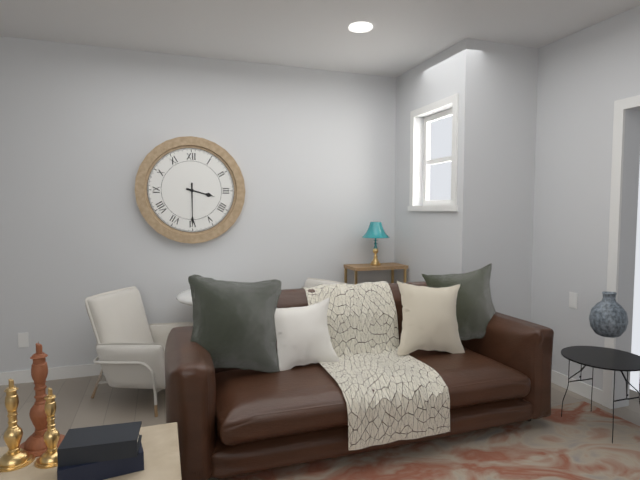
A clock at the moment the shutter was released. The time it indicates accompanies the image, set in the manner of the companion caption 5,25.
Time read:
3,30
